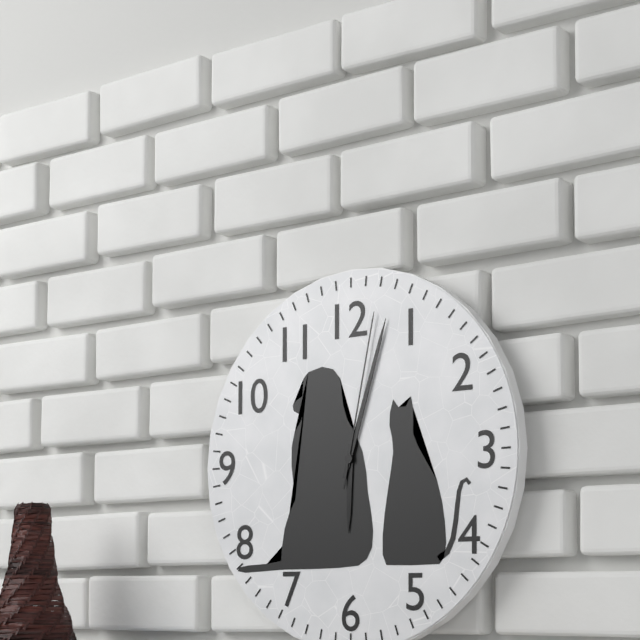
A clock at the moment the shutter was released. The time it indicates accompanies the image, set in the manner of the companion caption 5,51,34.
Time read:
6,03,02
